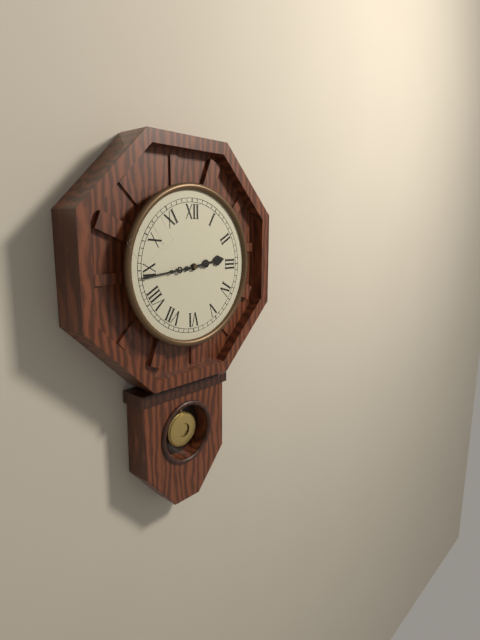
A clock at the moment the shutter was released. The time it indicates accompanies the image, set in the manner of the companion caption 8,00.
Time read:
2,44
